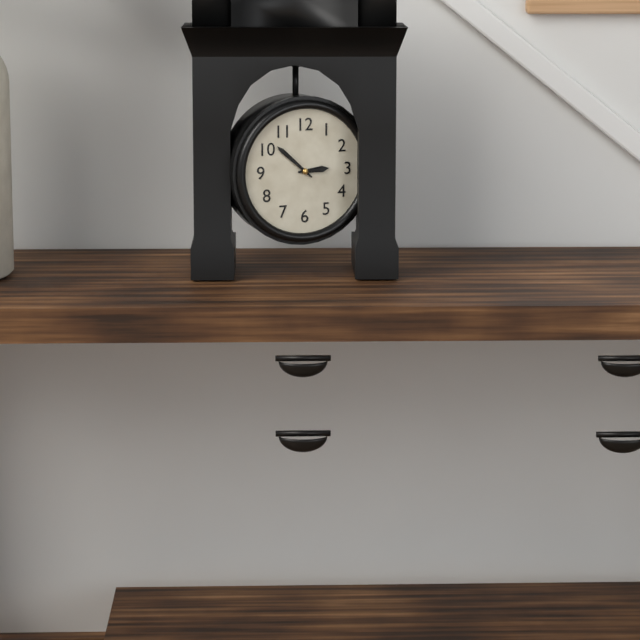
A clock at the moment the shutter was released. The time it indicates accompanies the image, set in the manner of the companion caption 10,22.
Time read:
2,52
